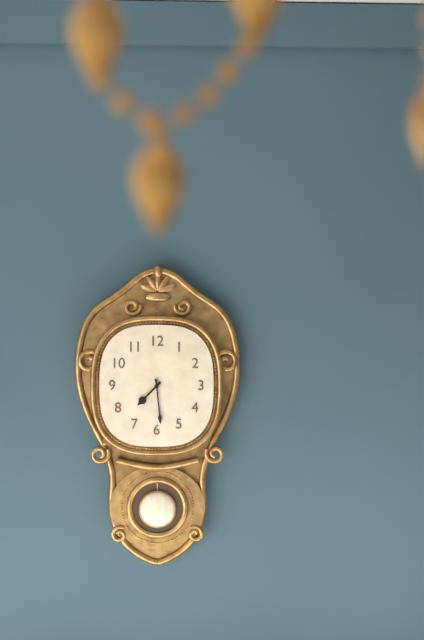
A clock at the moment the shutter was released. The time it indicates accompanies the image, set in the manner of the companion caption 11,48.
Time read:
7,29
